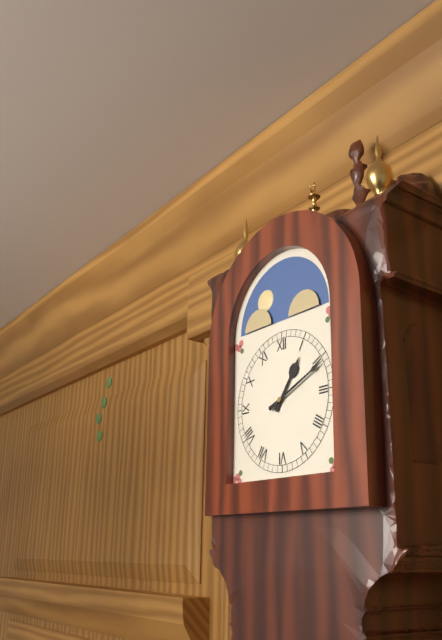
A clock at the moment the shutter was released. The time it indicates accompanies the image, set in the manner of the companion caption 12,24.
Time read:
1,11
